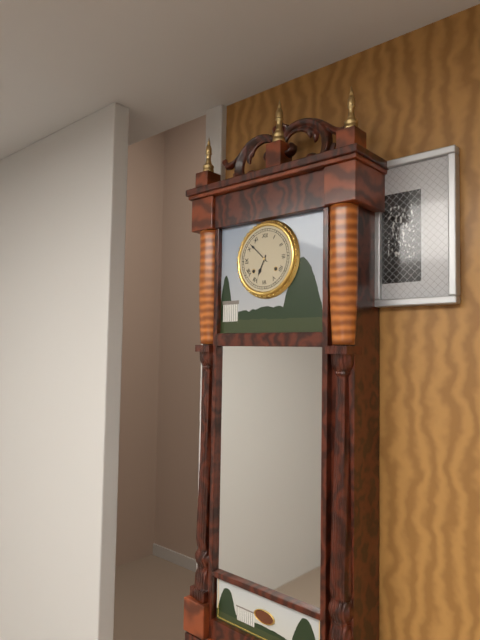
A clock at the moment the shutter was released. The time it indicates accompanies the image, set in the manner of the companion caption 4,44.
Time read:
6,52
